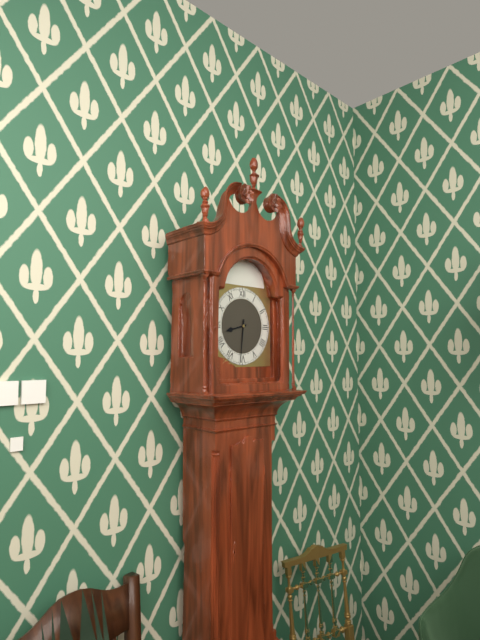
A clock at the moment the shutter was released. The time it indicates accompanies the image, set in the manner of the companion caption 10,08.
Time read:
8,31
